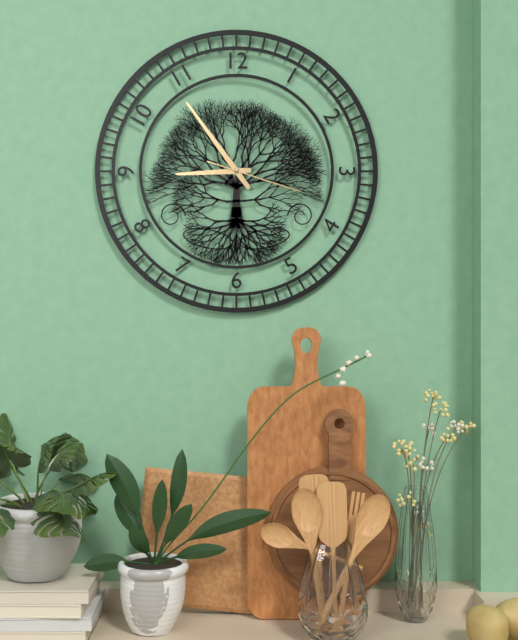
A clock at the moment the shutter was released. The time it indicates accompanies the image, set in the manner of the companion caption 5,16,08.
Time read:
8,54,18
